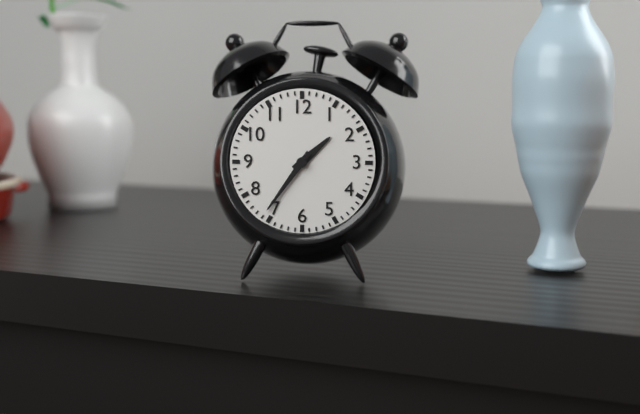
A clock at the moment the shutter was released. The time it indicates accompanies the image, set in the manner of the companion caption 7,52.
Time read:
1,36
